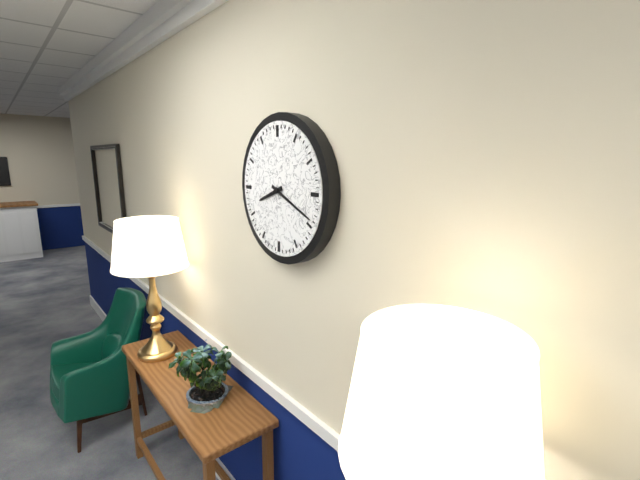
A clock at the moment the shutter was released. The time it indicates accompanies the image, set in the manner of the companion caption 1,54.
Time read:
8,19
